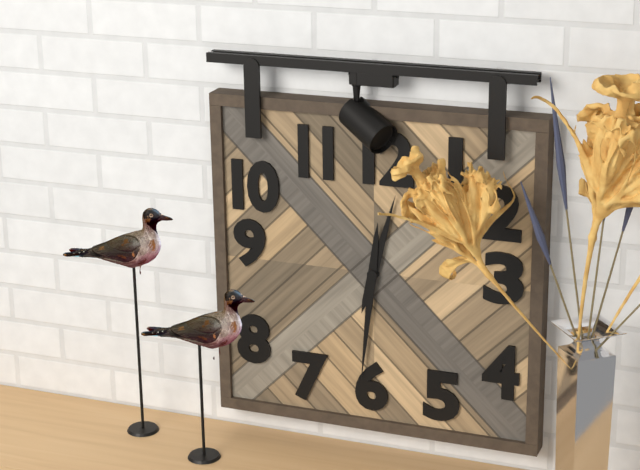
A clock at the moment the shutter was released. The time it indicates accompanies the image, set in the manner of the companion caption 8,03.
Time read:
12,31
